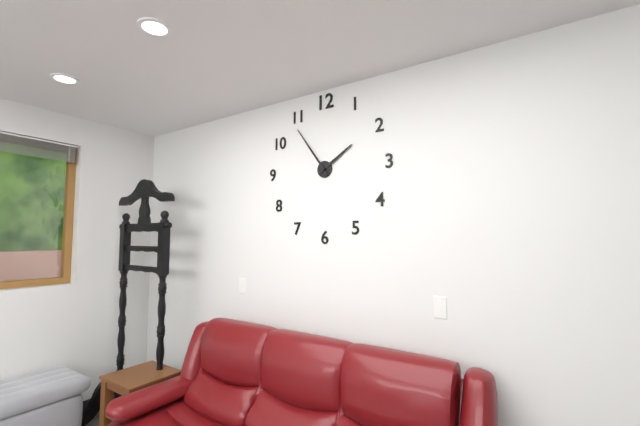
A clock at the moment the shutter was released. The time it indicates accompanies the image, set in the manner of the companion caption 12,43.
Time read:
1,54
